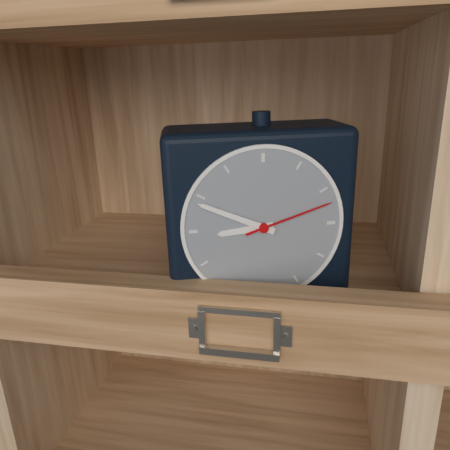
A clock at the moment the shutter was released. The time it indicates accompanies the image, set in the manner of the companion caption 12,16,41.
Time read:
8,49,12
